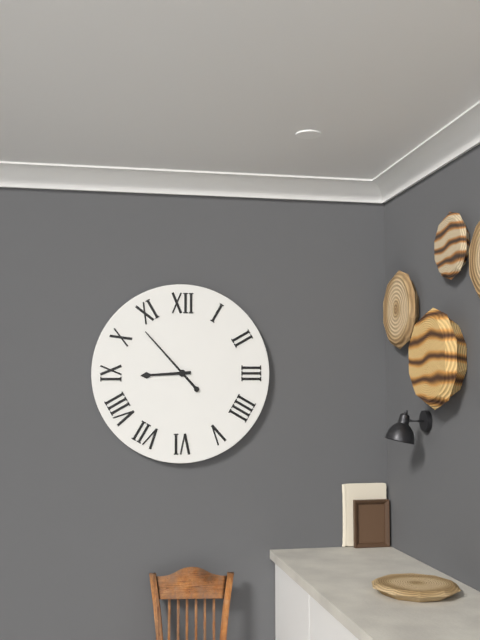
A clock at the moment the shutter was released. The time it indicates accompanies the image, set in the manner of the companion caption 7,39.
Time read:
8,53
